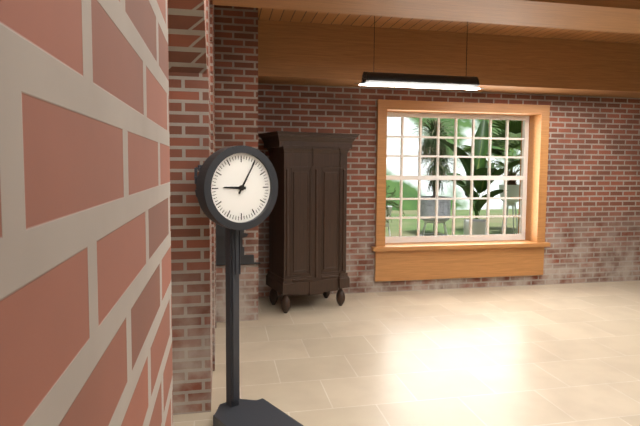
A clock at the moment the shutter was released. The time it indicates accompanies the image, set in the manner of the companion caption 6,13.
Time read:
9,05
